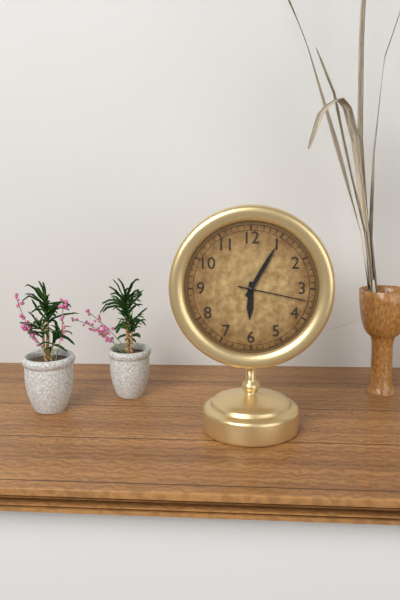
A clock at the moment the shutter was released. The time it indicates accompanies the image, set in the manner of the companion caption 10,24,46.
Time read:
6,05,17
